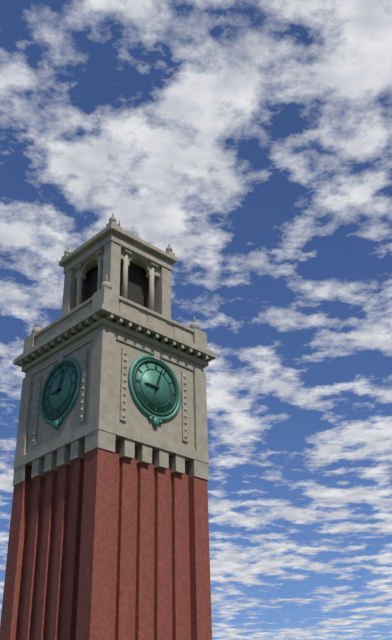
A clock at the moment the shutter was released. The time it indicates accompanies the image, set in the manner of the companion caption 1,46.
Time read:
9,03
